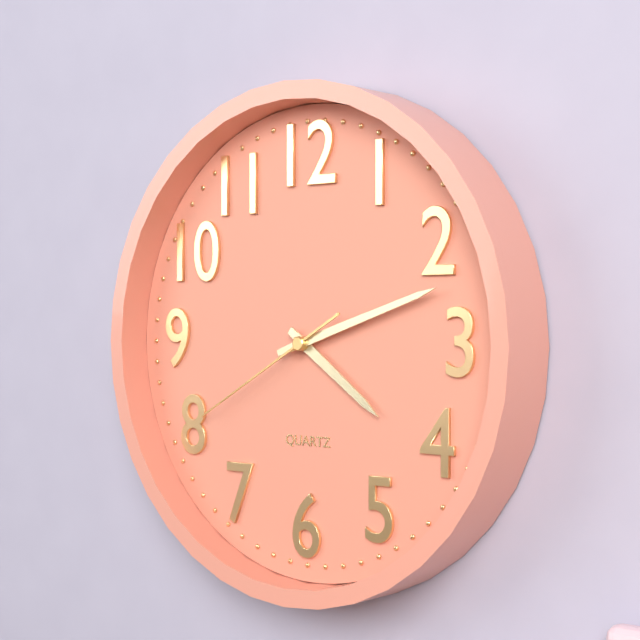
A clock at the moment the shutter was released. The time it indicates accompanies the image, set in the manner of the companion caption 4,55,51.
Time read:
4,12,40
